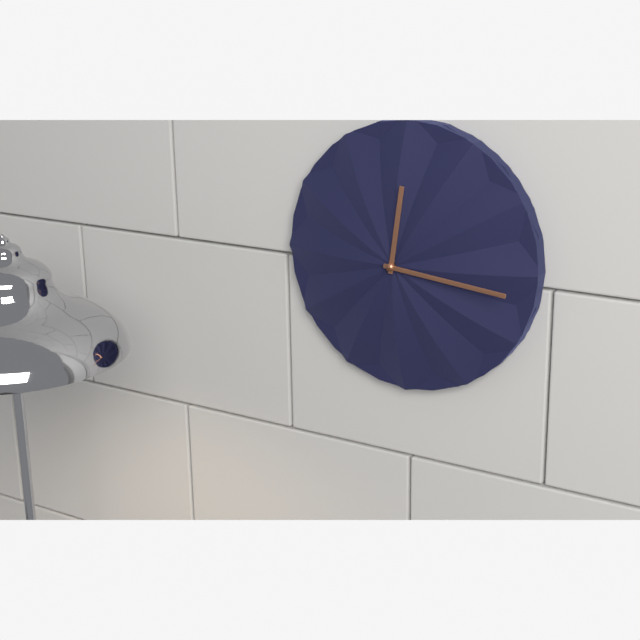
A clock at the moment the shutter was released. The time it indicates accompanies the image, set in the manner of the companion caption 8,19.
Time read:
12,16
